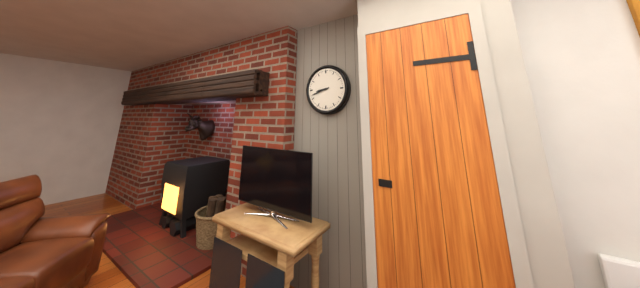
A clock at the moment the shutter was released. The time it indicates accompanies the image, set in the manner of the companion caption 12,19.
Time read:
8,42
